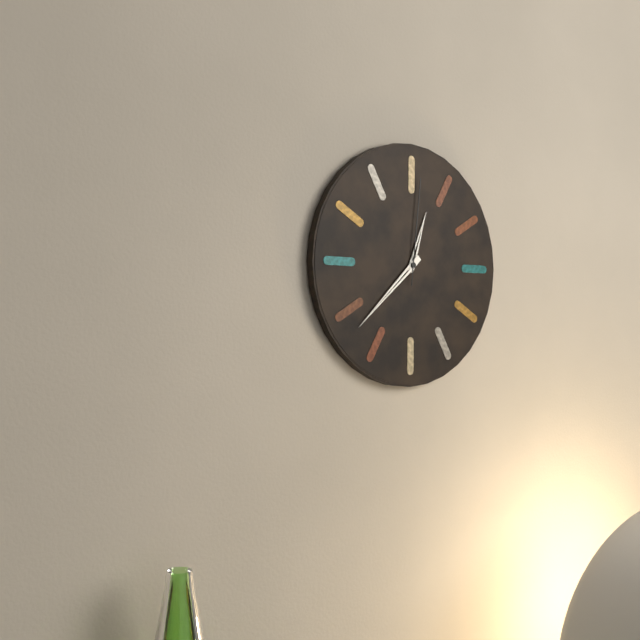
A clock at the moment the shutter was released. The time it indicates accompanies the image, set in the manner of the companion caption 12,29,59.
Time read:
12,38,01
